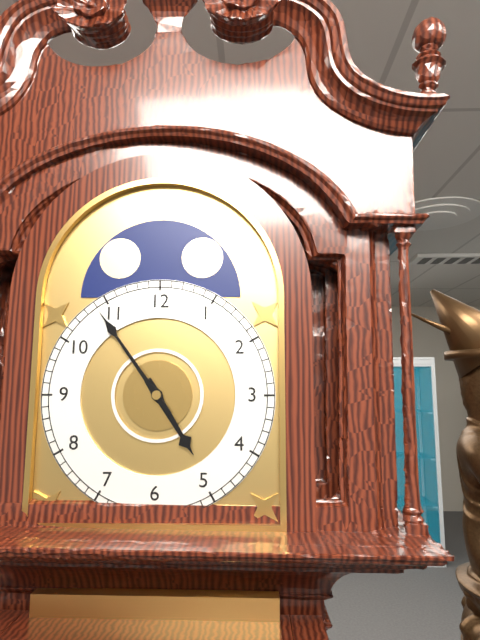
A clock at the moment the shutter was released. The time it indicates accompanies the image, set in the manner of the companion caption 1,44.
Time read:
4,54
